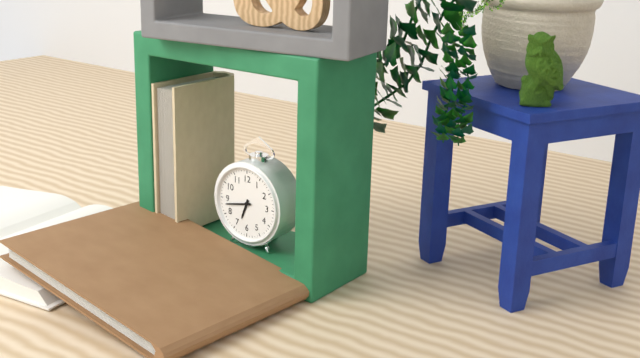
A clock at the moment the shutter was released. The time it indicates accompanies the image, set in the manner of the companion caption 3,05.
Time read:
6,43
